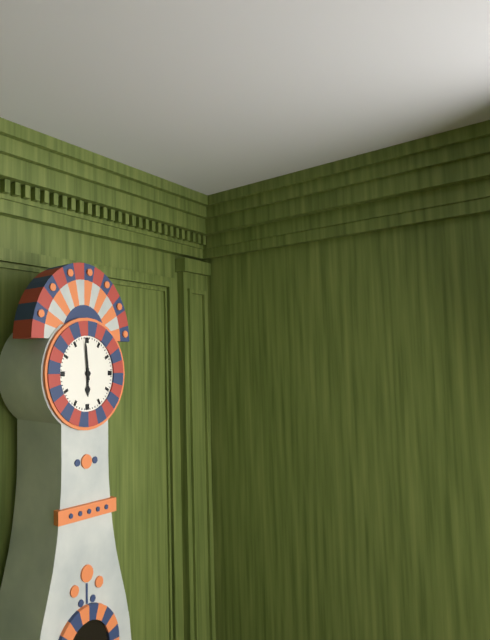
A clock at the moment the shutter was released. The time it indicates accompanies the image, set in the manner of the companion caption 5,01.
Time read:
5,59
